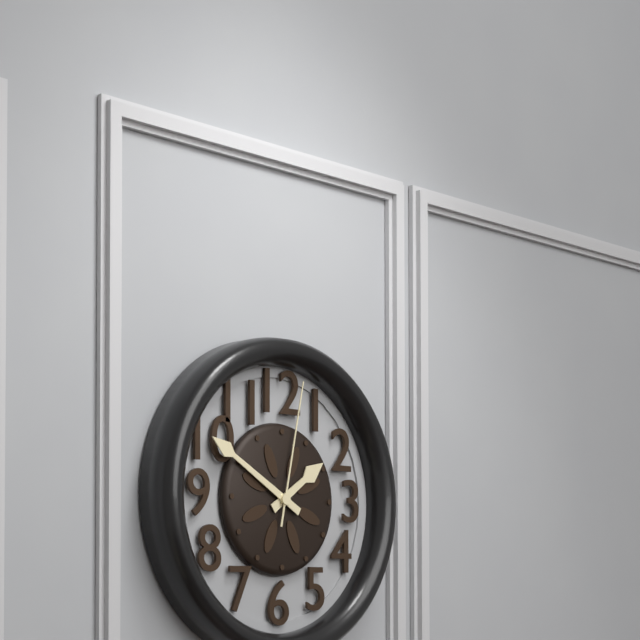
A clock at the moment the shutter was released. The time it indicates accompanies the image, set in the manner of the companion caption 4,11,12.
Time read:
1,50,02
